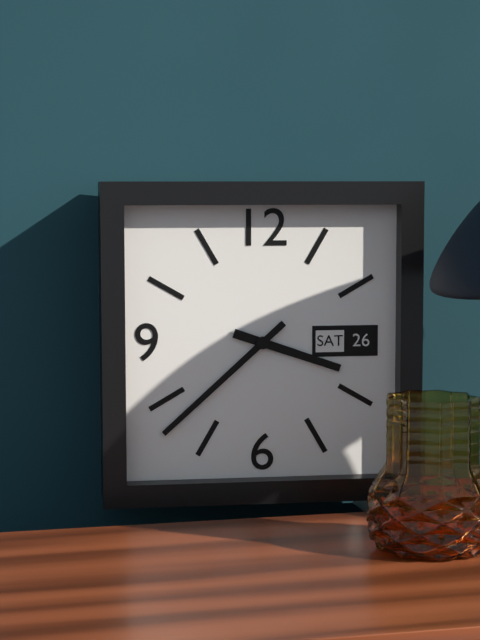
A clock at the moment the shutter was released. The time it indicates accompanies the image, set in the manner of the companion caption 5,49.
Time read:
3,38
